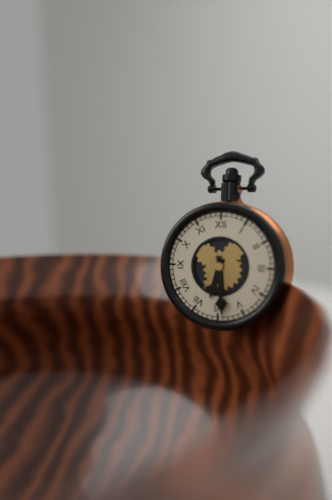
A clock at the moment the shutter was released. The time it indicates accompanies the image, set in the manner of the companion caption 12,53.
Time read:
6,29
